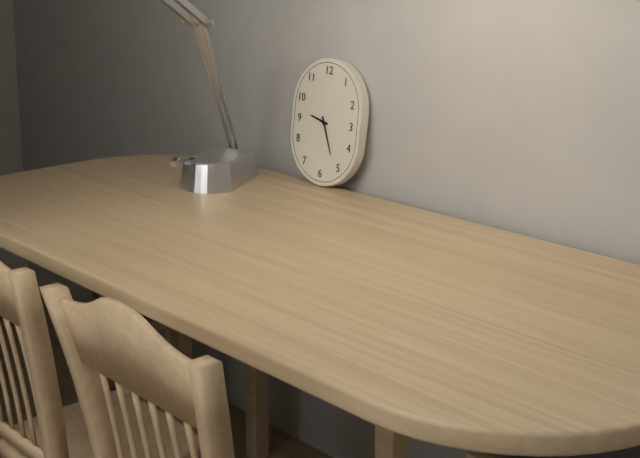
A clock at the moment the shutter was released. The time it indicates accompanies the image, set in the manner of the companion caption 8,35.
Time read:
9,26
